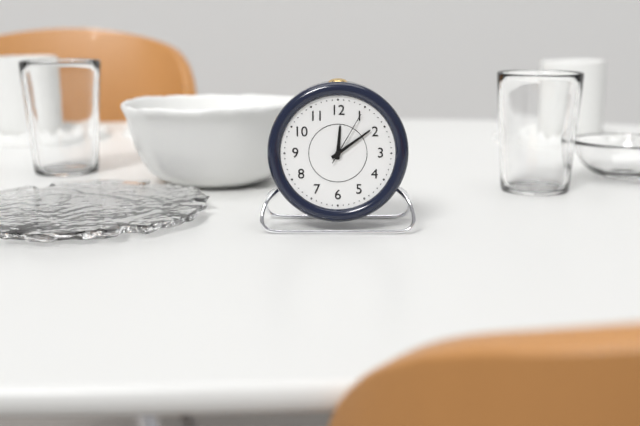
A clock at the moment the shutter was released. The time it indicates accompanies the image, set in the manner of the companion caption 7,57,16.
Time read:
12,09,05
